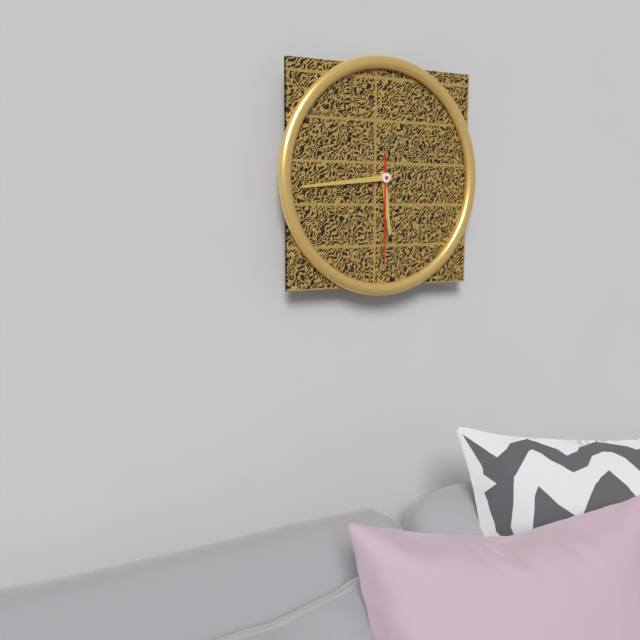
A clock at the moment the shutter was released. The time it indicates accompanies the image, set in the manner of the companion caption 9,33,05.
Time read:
5,44,30
